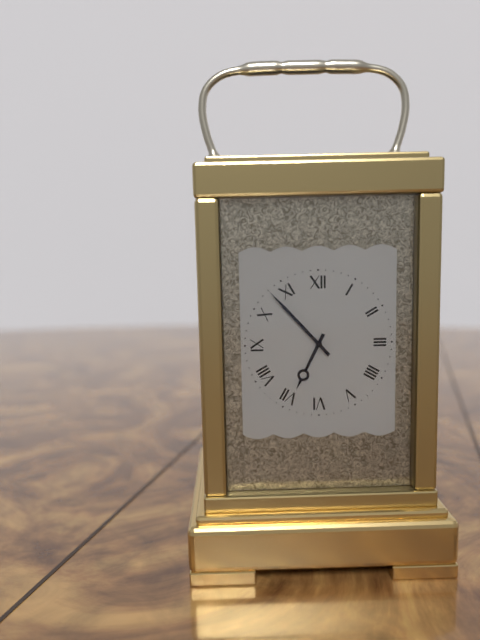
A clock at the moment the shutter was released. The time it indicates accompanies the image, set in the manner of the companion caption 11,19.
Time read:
6,53
